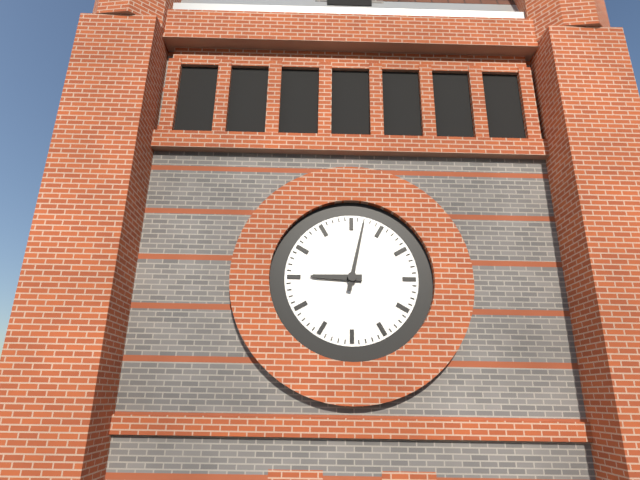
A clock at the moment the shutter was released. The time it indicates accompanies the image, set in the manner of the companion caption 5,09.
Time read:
9,02
